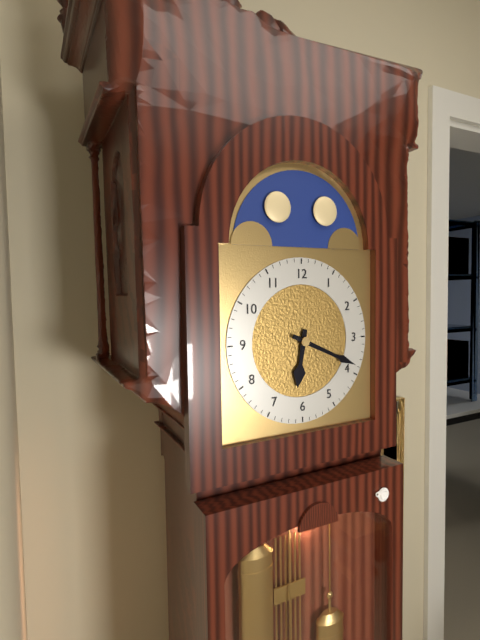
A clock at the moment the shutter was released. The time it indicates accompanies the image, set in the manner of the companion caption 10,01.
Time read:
6,19
